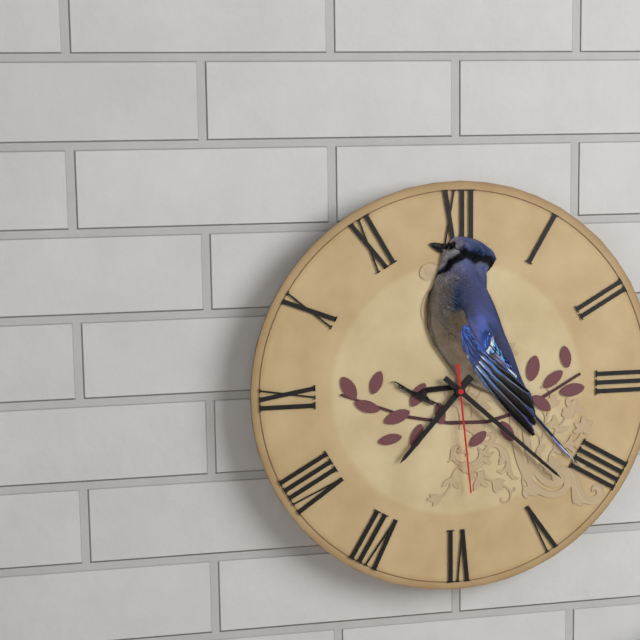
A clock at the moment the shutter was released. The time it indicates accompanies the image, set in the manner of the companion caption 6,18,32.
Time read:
7,22,29
